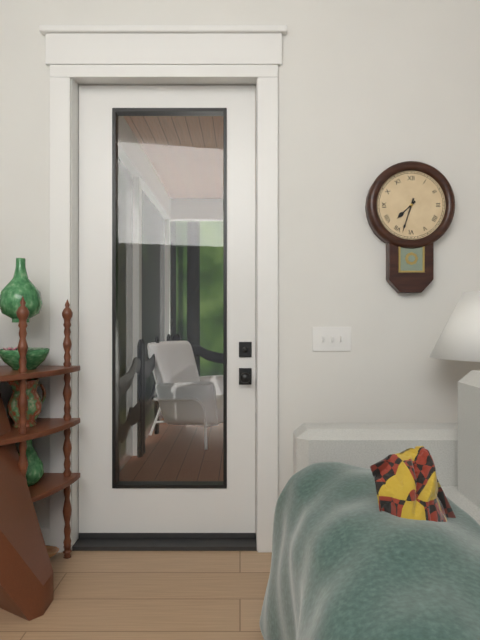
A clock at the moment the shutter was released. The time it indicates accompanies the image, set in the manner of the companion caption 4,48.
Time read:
7,33
